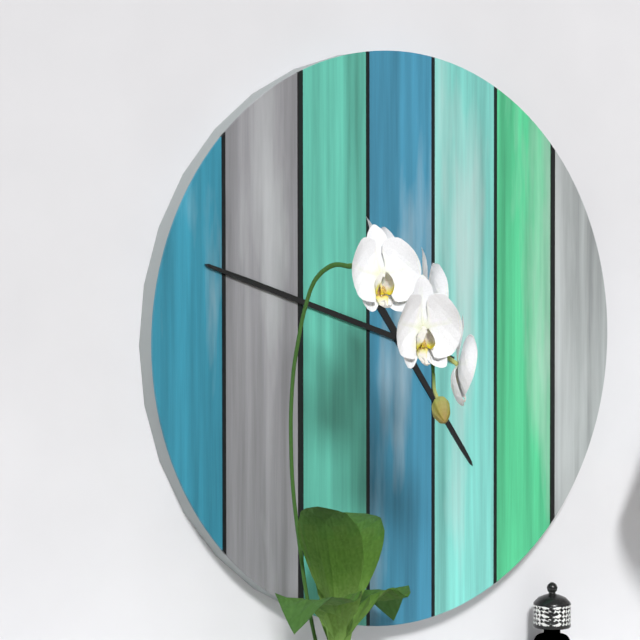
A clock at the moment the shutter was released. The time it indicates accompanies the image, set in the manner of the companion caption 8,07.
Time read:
4,48
